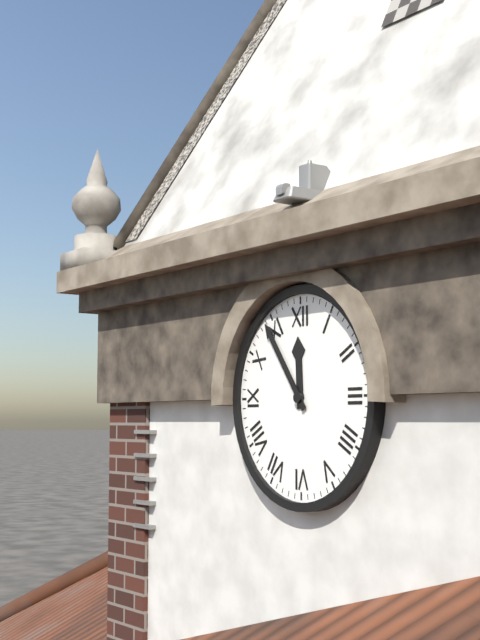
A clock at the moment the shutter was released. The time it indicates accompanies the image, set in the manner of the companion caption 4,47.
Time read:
11,54
